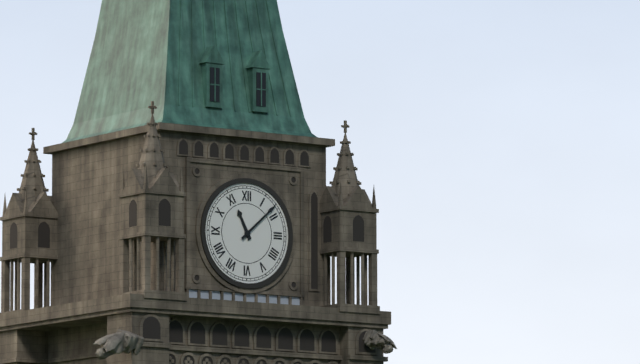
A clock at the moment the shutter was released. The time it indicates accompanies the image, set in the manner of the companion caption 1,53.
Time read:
11,08
